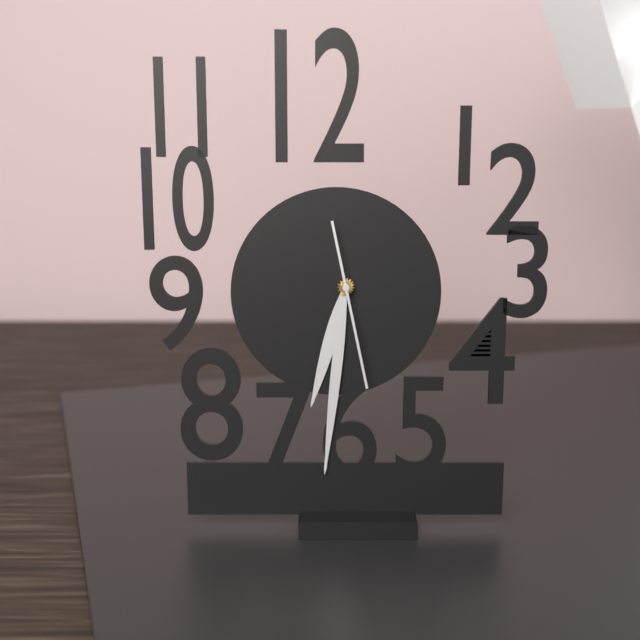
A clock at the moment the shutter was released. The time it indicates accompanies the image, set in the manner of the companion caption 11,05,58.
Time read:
6,31,28
